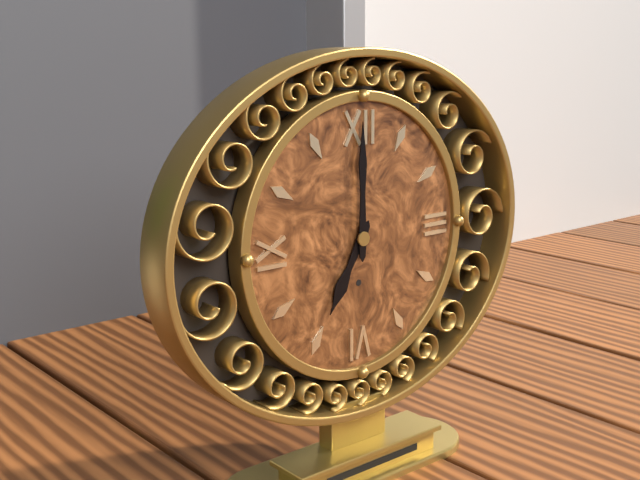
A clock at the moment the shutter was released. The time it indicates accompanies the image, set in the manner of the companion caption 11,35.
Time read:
7,00
